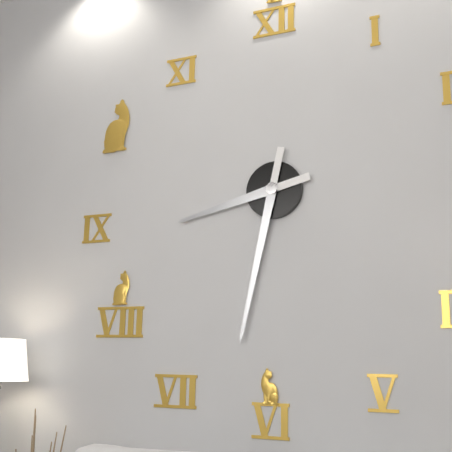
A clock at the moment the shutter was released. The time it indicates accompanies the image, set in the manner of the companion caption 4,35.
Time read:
8,32
